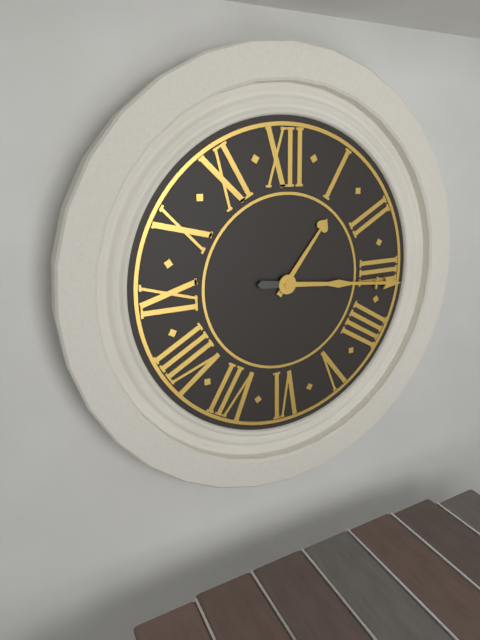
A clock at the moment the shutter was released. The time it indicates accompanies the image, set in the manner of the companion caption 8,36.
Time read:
1,16
